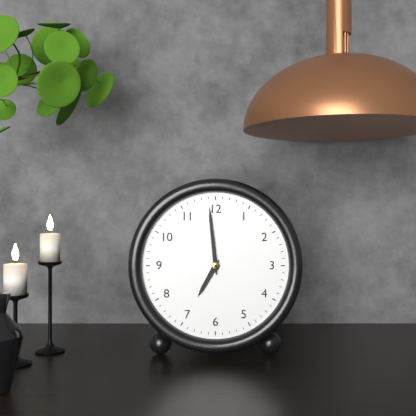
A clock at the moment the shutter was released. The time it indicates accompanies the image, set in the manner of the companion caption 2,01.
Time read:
6,59
